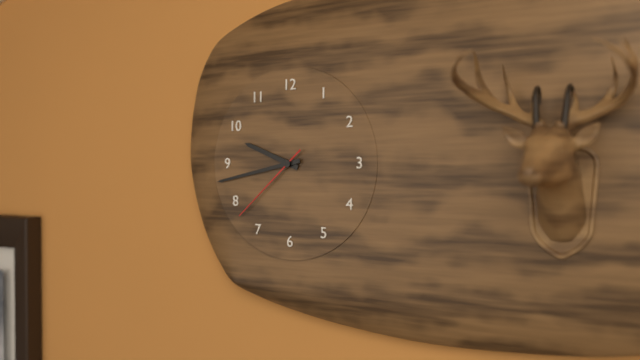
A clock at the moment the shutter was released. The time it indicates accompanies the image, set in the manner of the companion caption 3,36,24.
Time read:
9,43,38
